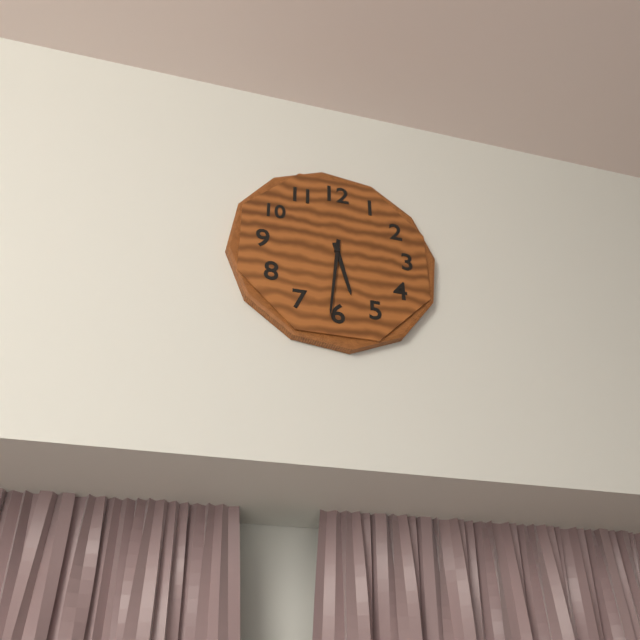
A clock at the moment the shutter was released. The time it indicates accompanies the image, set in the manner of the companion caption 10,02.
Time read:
5,31
